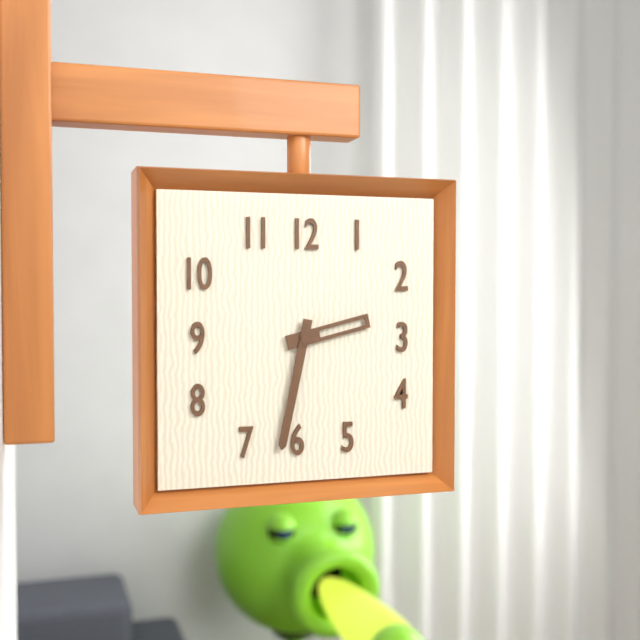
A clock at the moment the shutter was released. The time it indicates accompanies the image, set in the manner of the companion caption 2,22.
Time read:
2,32
